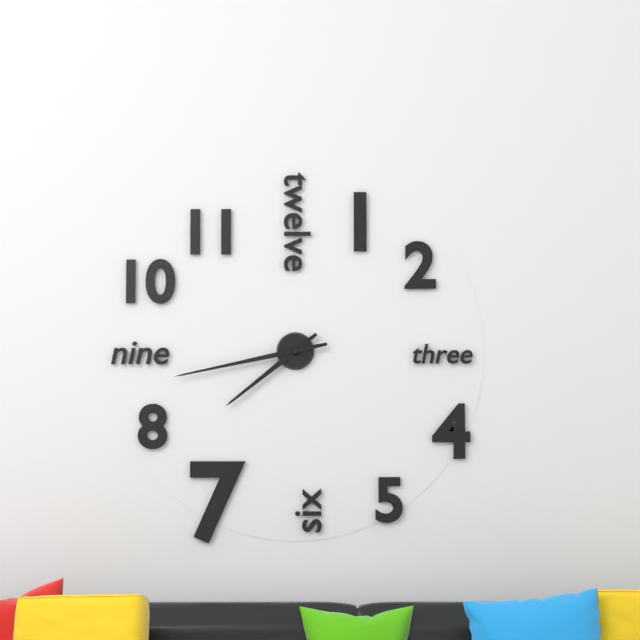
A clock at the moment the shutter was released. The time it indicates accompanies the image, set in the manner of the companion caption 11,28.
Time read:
7,43
